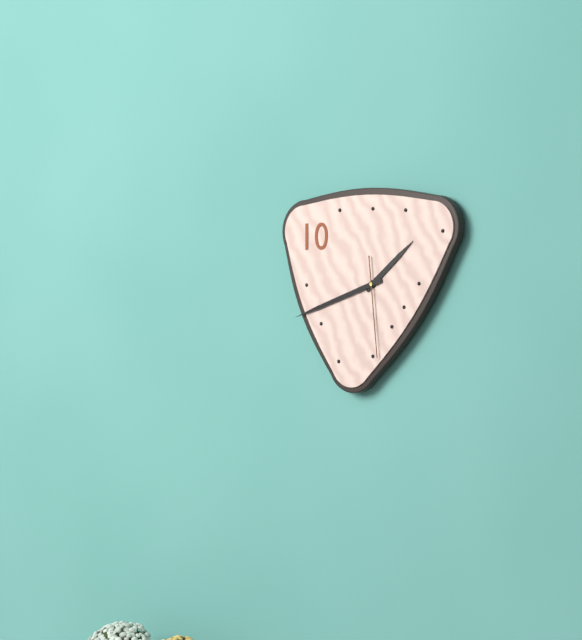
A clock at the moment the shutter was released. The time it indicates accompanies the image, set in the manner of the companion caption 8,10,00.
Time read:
1,42,29
